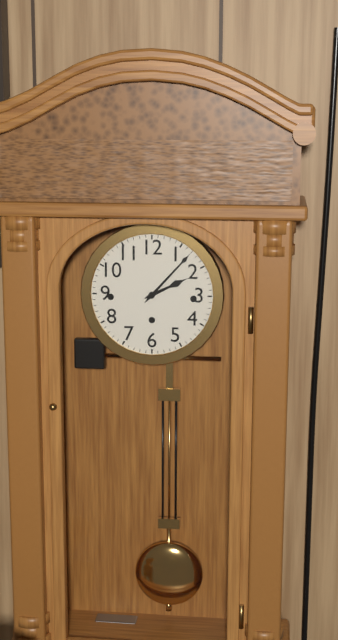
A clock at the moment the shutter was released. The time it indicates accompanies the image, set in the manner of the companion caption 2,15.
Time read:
2,07
